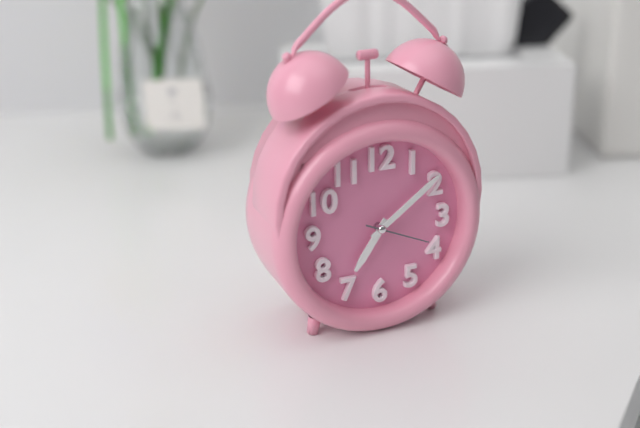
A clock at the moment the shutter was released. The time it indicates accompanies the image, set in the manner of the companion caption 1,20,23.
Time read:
7,09,19
